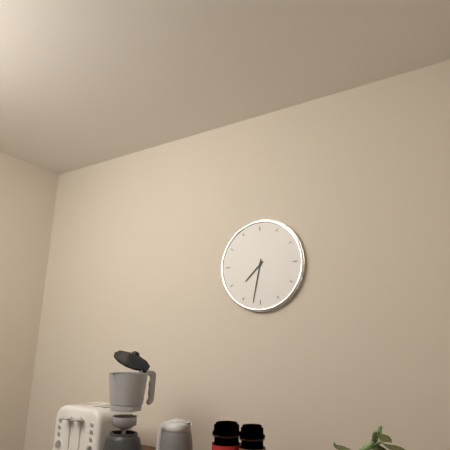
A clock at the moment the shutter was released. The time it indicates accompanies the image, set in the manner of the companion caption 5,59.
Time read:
7,32
